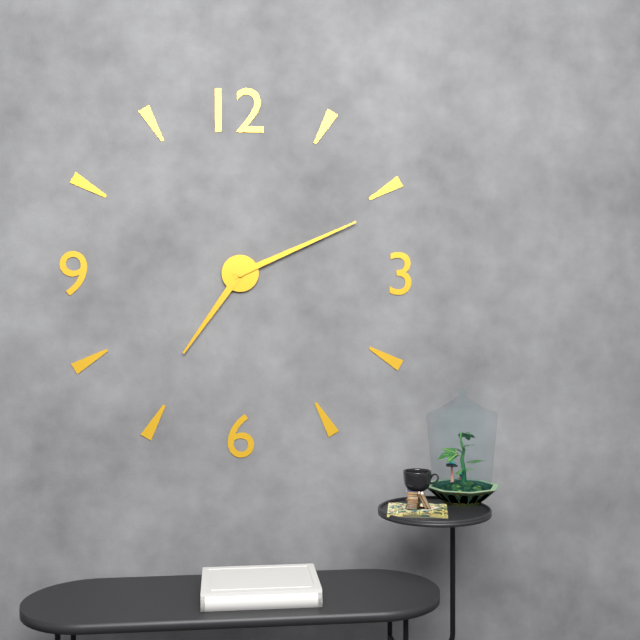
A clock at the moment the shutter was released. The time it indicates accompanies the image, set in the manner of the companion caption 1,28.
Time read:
7,11
